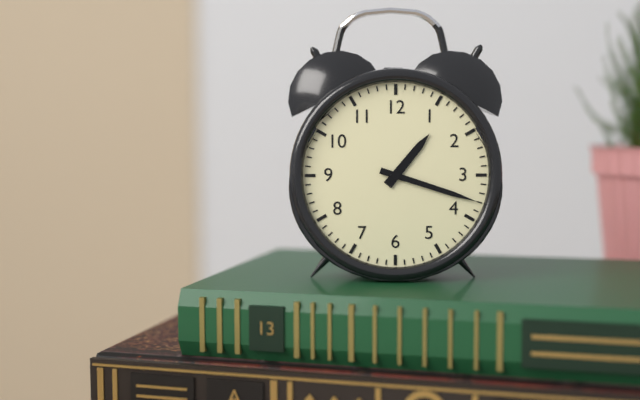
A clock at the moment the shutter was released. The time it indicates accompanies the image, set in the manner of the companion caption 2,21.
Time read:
1,18
